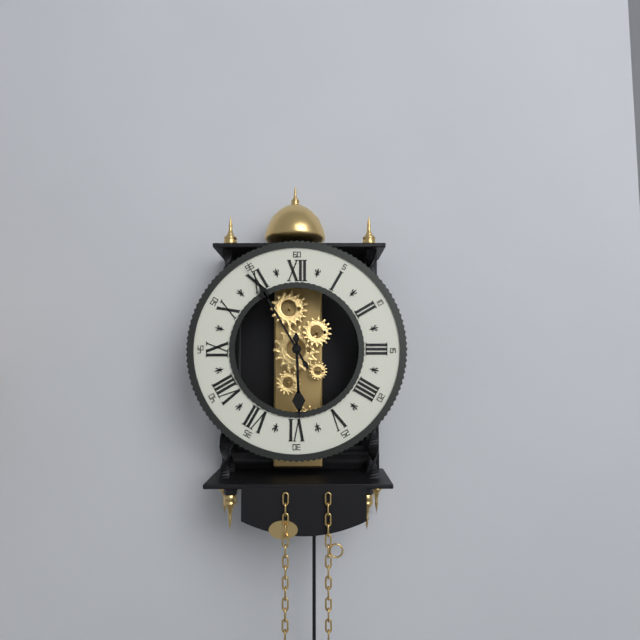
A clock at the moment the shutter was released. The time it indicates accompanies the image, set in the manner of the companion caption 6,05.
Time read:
5,55
